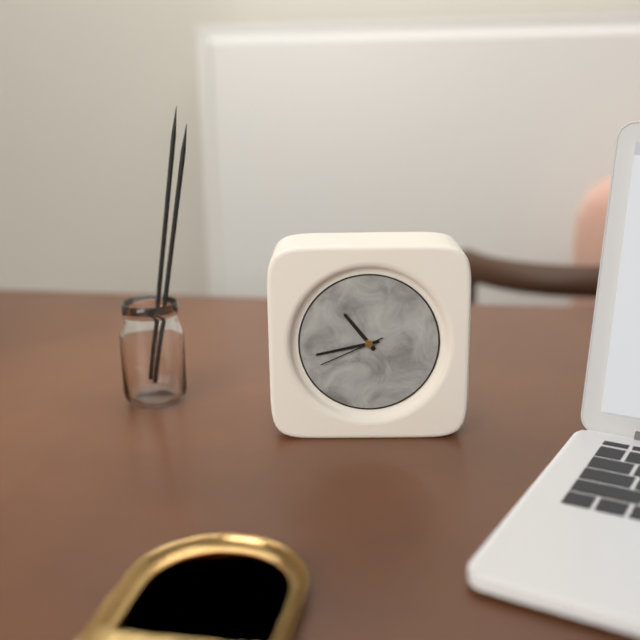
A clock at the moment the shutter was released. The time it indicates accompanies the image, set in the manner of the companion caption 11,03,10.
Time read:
10,43,41
